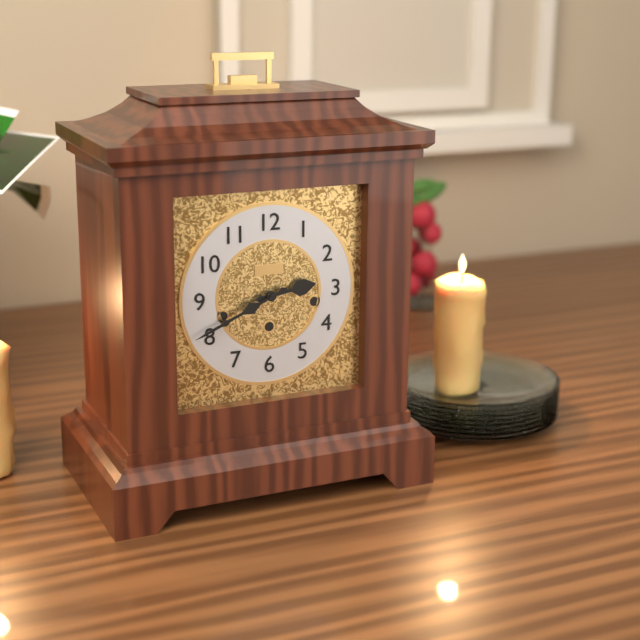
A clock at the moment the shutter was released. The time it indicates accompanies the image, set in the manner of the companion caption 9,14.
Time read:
2,41
